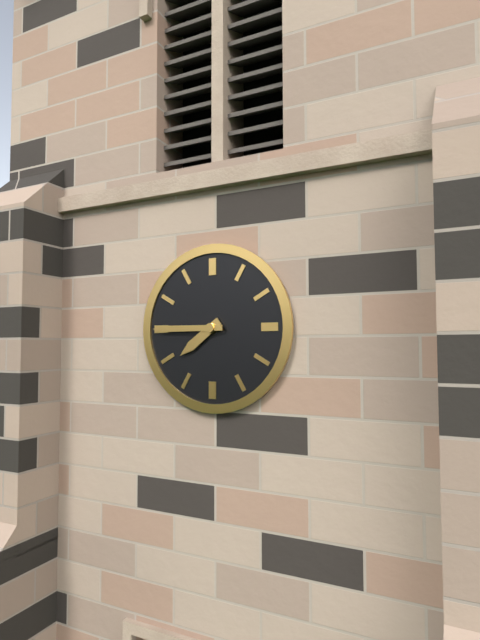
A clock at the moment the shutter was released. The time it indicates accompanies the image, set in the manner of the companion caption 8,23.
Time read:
7,45
